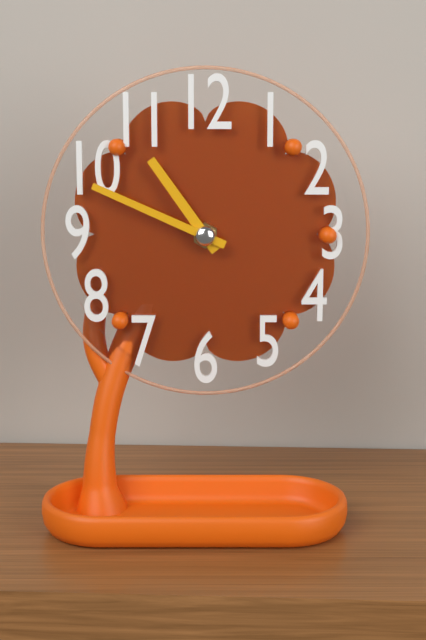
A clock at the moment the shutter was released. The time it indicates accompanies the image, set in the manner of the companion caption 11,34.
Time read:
10,49
